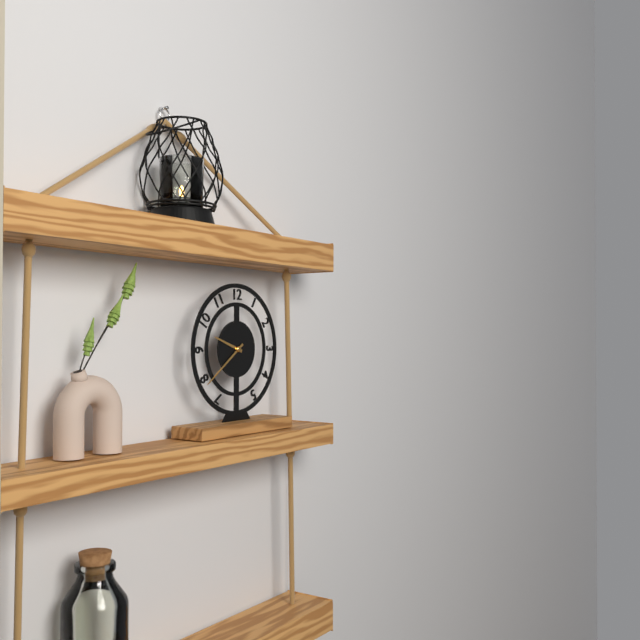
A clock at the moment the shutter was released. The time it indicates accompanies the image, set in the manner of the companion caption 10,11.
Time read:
9,39
